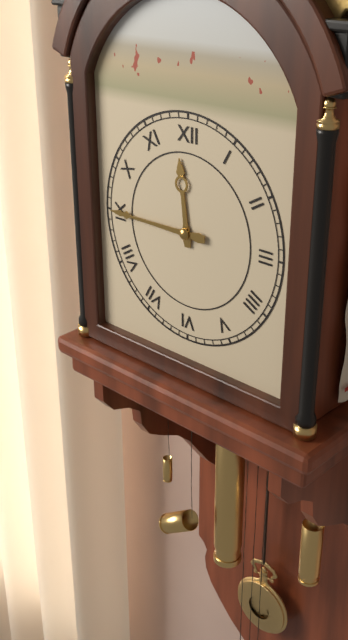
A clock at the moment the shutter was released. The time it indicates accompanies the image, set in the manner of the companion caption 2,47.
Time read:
11,45
